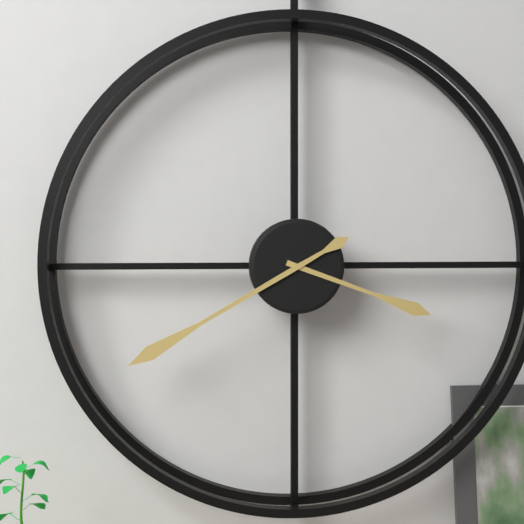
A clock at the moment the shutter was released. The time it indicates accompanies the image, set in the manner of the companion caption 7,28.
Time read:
3,40
